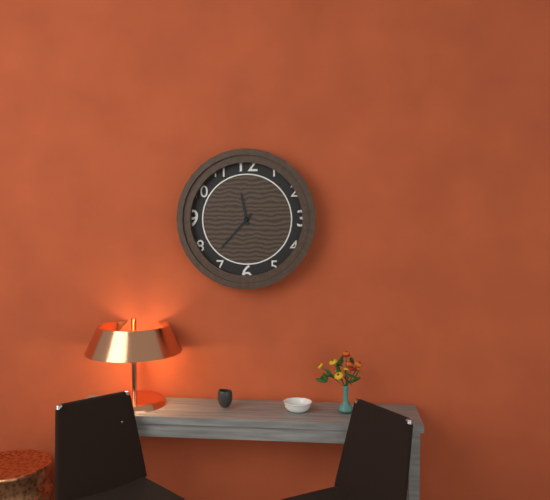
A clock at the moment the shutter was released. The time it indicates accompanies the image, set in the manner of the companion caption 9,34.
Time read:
11,37
